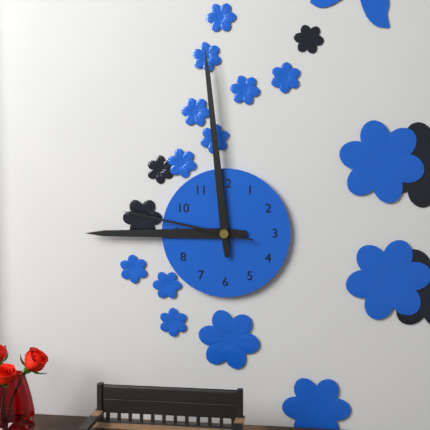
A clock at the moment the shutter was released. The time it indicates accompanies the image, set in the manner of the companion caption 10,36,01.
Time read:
8,59,47
